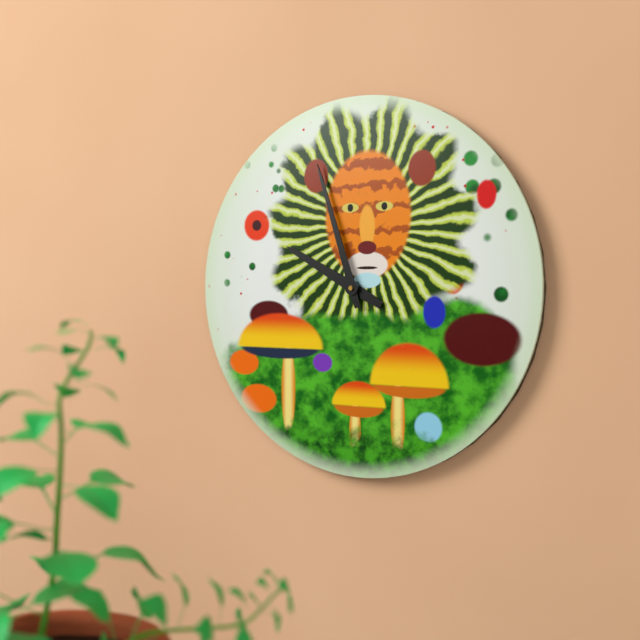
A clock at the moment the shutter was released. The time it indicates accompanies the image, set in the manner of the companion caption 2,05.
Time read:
9,57
